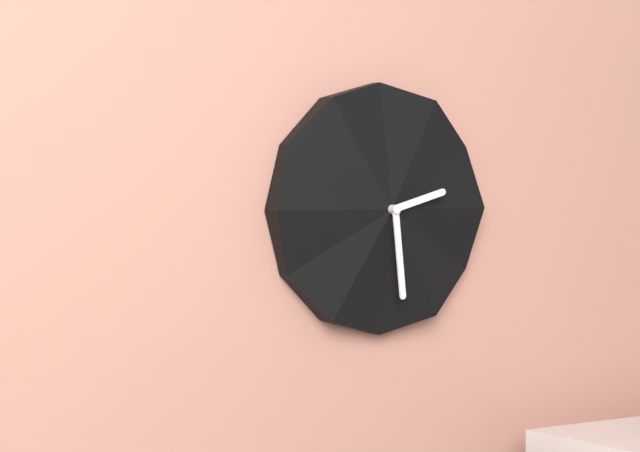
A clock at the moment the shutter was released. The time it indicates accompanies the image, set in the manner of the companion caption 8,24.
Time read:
2,29
